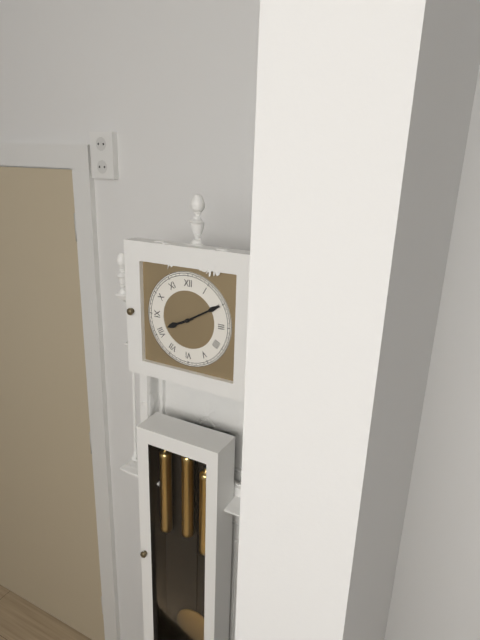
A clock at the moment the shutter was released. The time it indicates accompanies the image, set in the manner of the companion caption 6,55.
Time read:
8,10
